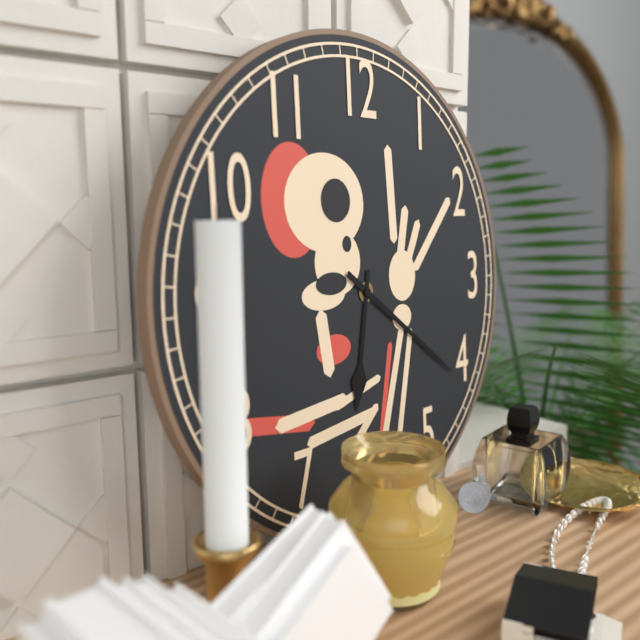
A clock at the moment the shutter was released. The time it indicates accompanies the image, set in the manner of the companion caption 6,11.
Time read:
6,21
